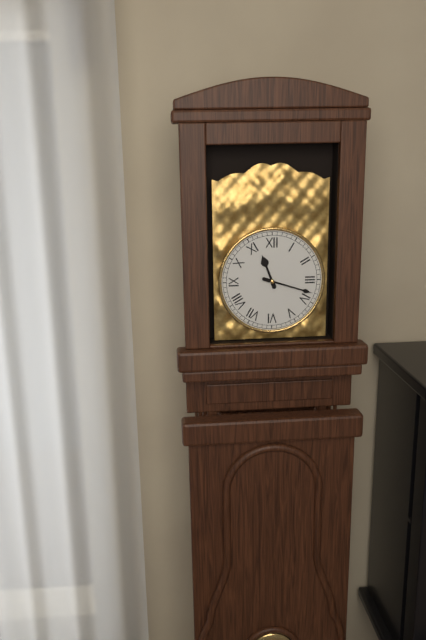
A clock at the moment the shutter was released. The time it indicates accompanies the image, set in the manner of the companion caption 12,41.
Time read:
11,18
